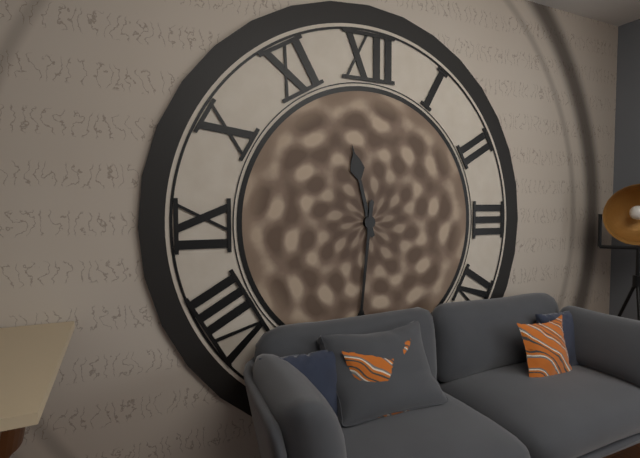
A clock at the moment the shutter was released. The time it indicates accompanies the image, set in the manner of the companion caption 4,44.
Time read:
11,31
